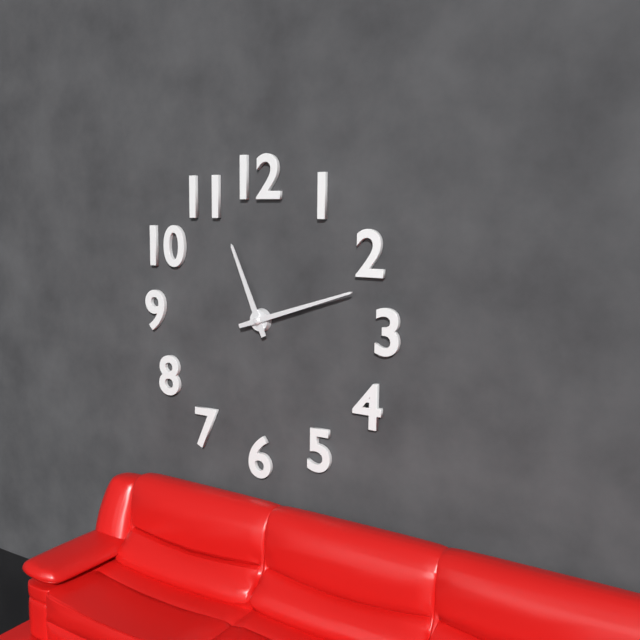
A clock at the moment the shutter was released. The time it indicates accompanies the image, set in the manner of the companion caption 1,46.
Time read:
11,12
